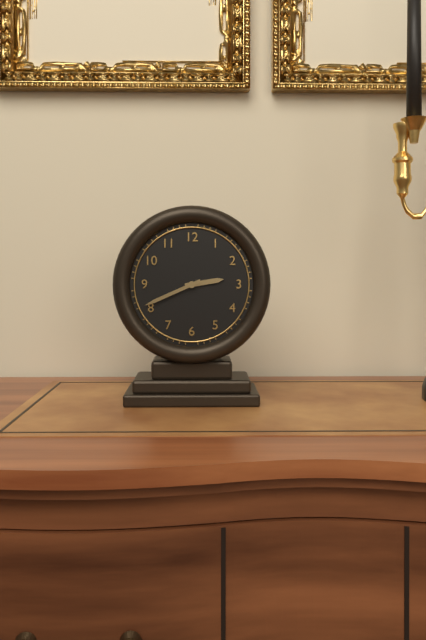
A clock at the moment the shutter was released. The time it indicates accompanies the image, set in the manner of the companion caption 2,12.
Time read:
2,41
